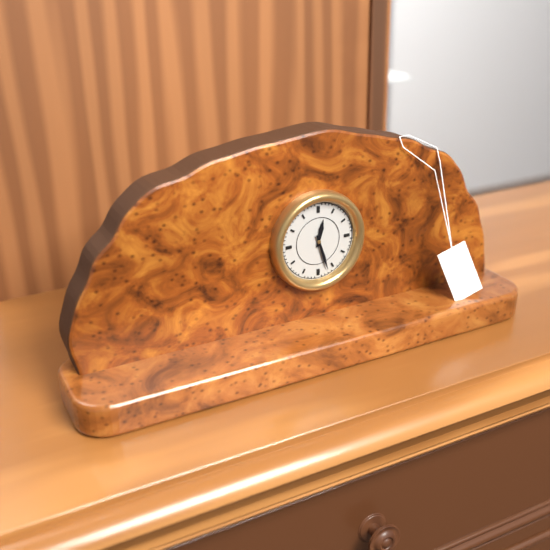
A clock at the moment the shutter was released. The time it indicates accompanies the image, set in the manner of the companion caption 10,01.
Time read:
12,27
